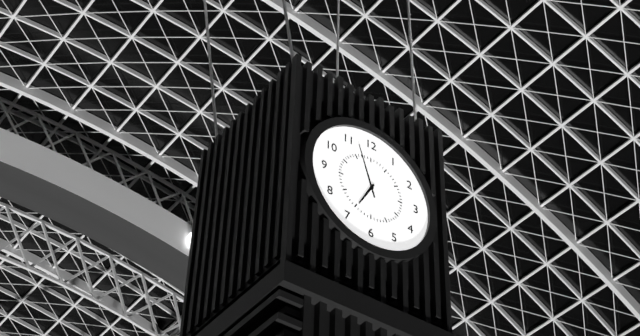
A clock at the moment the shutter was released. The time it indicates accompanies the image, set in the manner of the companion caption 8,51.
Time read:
6,57
